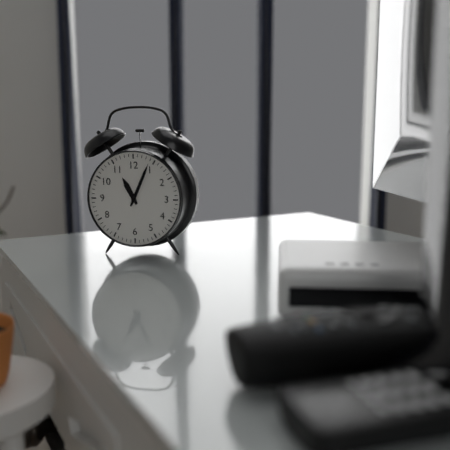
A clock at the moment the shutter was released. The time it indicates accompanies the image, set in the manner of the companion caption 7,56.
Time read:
11,04
